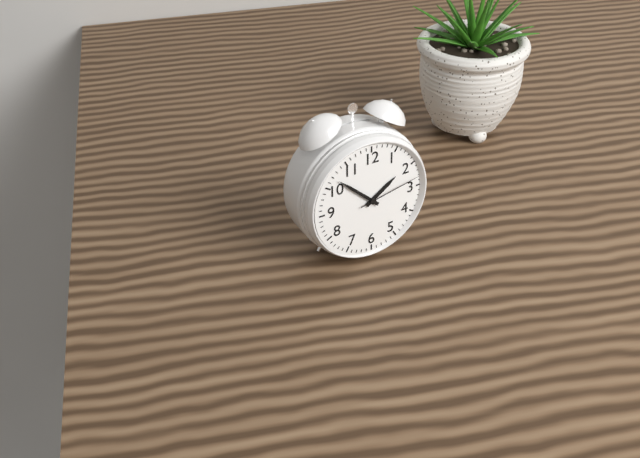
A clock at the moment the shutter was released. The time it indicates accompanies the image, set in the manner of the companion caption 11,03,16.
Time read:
1,52,13
